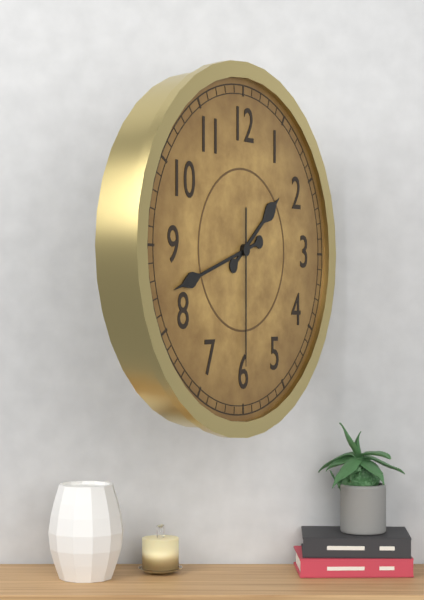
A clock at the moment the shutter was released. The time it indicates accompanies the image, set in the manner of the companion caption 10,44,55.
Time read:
1,42,30
